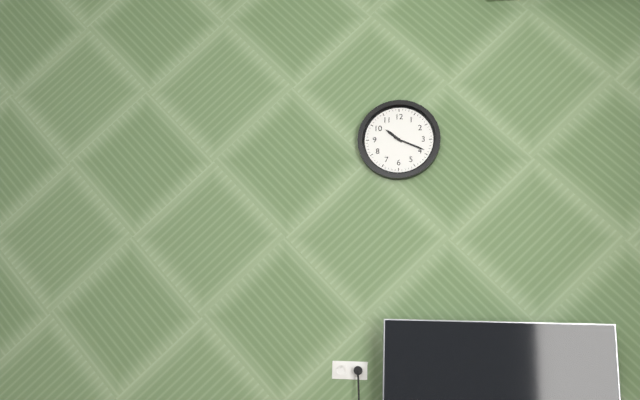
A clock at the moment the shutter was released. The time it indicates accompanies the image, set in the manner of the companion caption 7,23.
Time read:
10,19
